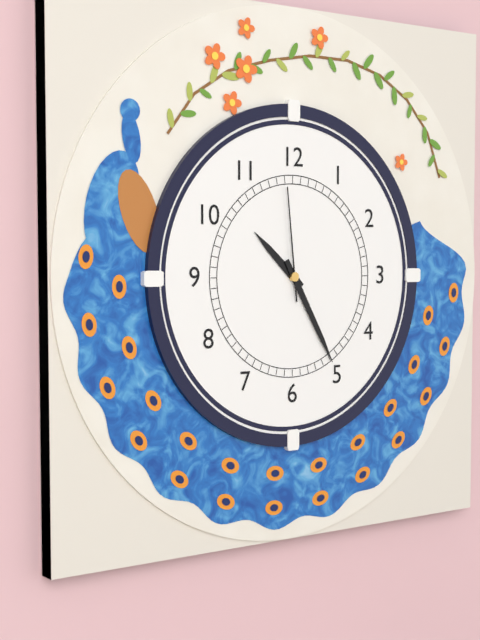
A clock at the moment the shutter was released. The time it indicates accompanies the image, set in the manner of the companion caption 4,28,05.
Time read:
10,25,59
